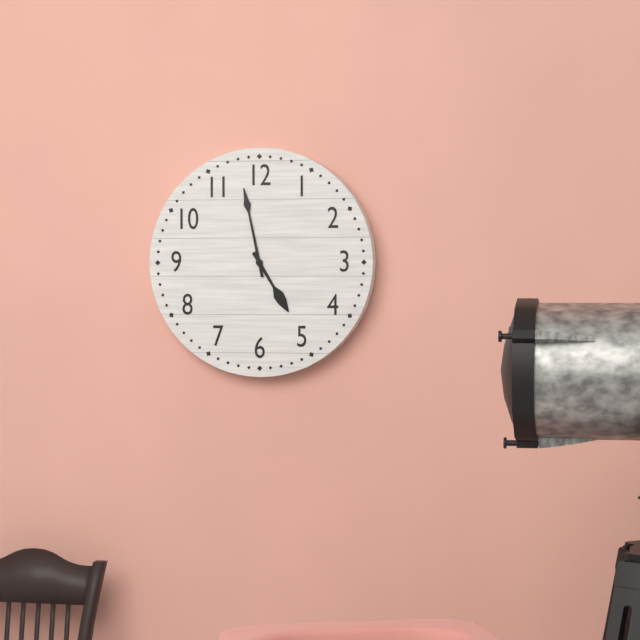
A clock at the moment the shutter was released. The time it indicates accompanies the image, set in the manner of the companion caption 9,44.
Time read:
4,58
